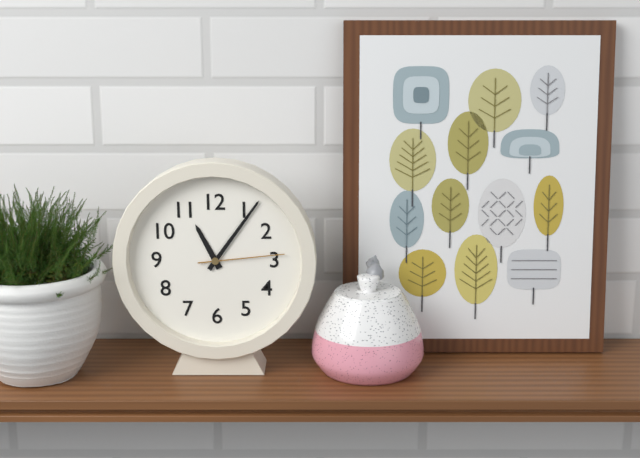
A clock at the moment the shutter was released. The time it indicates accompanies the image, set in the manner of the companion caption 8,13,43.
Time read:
11,06,14
